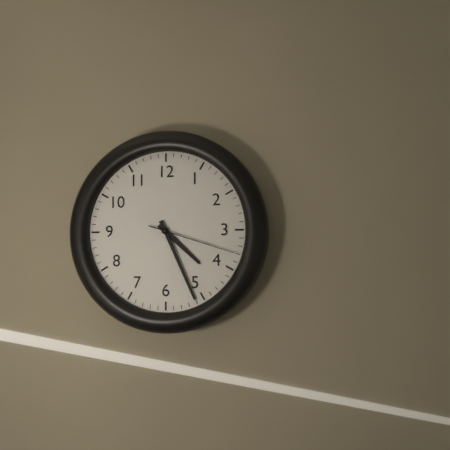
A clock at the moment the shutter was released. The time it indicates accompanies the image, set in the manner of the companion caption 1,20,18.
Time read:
4,26,18
